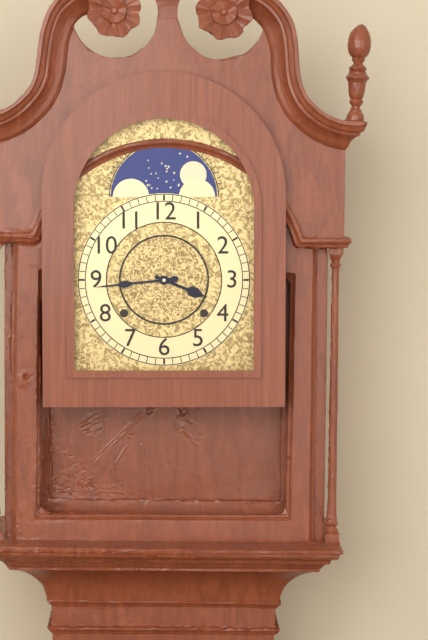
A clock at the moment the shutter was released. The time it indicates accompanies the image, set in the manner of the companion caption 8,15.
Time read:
3,44
